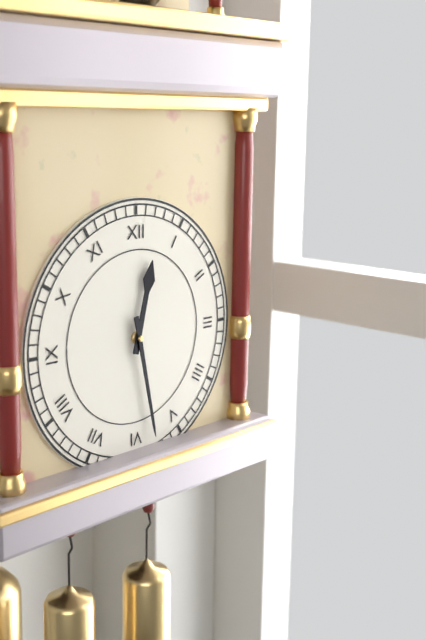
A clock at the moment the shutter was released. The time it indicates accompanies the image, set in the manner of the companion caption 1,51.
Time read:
12,28
